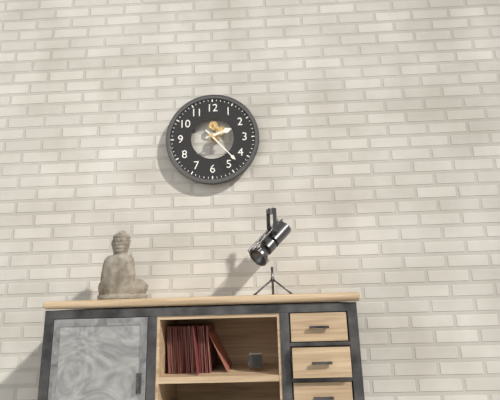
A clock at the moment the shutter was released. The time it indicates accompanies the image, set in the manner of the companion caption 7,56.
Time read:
2,23
